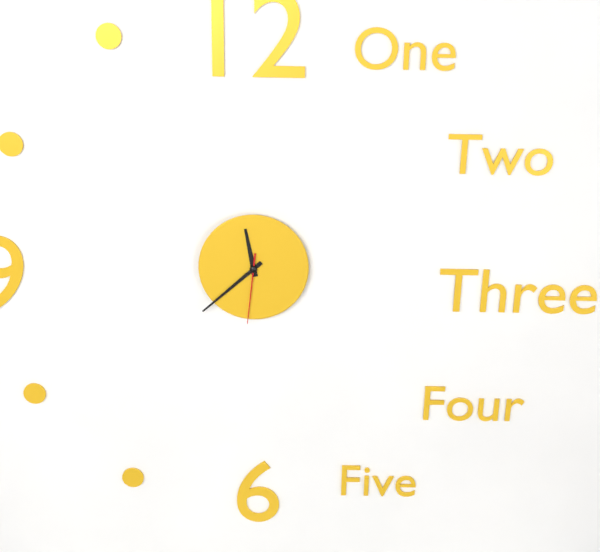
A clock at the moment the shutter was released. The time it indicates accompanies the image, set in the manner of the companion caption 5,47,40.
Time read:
11,38,31
